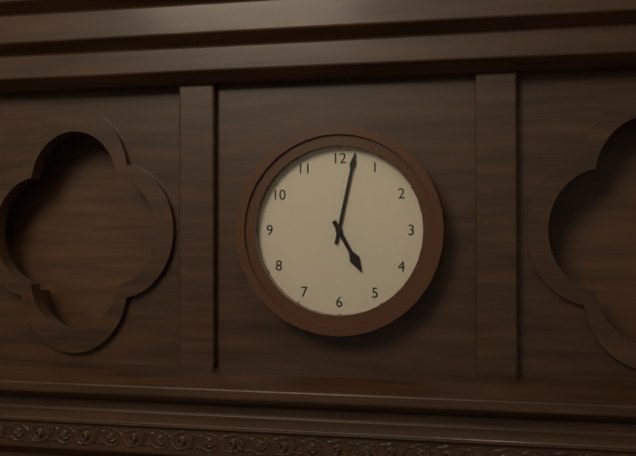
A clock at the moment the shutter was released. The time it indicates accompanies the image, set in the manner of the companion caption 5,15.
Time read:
5,02
